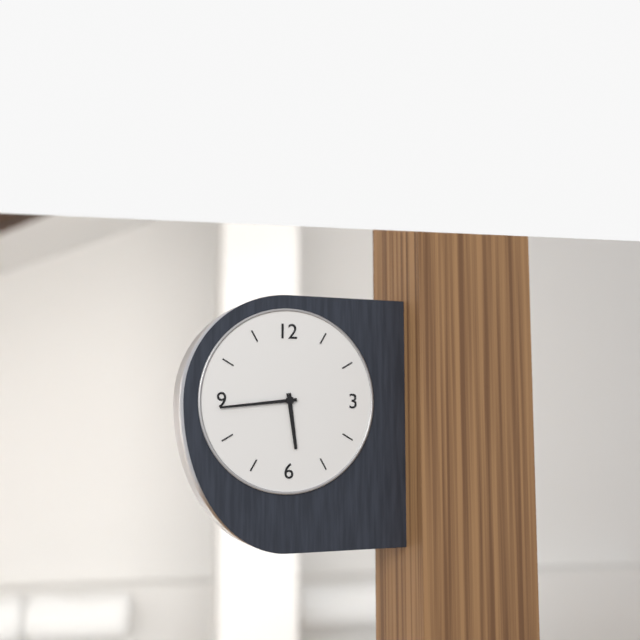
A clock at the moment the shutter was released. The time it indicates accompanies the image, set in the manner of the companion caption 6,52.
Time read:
5,44
